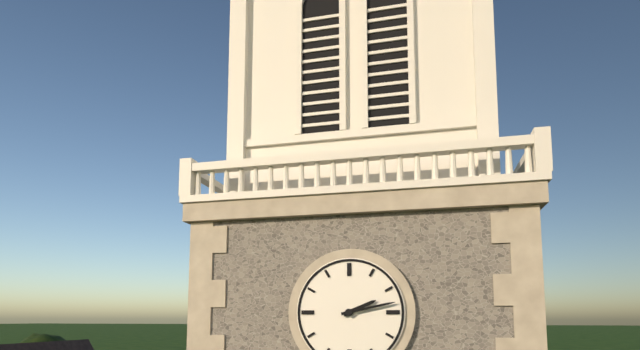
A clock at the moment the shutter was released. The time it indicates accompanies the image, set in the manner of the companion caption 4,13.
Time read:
2,13
